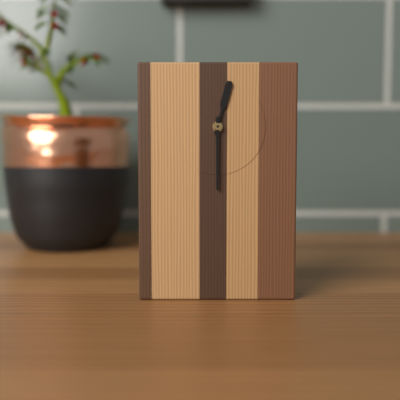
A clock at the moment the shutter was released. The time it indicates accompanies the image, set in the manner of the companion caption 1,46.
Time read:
12,30
